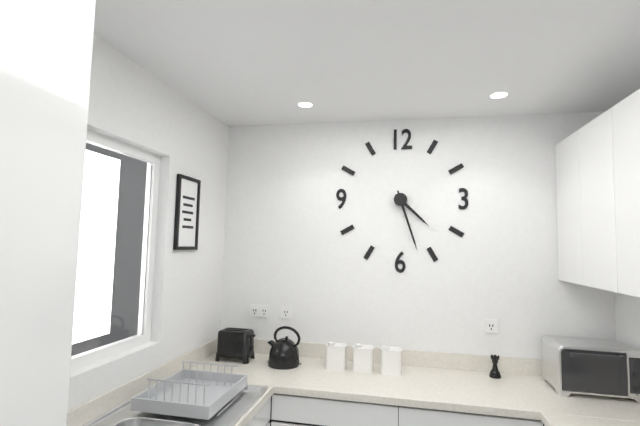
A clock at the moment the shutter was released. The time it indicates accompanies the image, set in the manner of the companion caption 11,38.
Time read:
4,27
